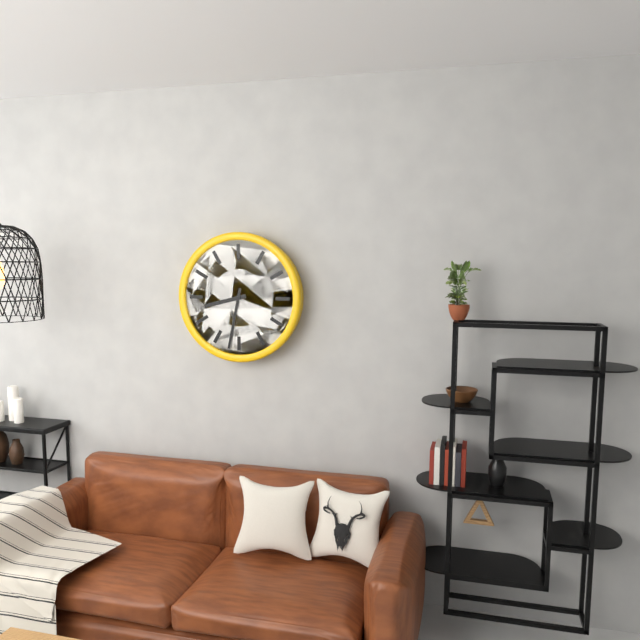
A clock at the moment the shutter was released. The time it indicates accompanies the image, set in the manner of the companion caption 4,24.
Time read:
8,32
